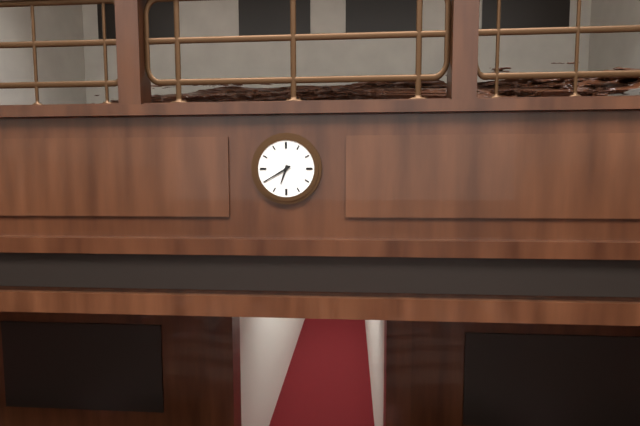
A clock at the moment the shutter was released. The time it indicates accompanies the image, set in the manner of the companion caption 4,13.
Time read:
6,40
